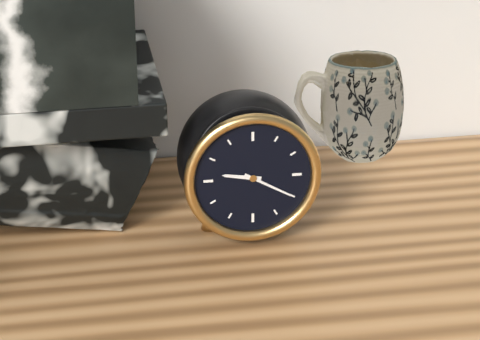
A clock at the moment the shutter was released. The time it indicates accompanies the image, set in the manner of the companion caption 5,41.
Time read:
9,20
